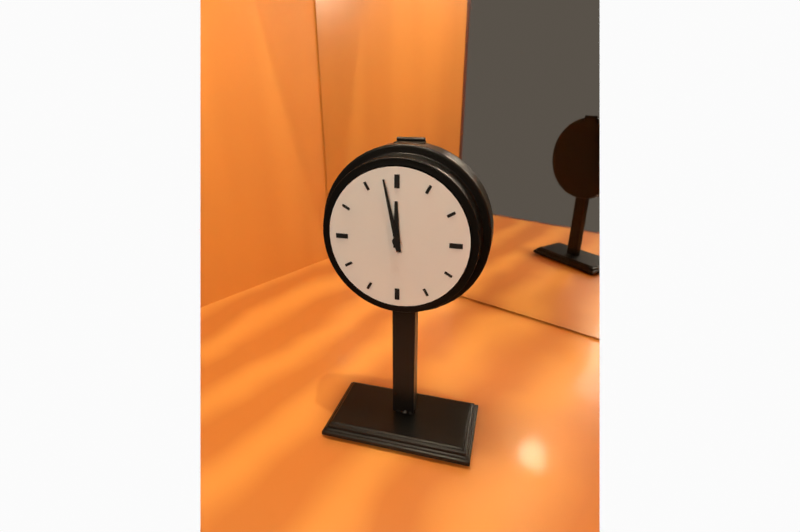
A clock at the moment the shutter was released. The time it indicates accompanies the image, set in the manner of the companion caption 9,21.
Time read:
11,58
